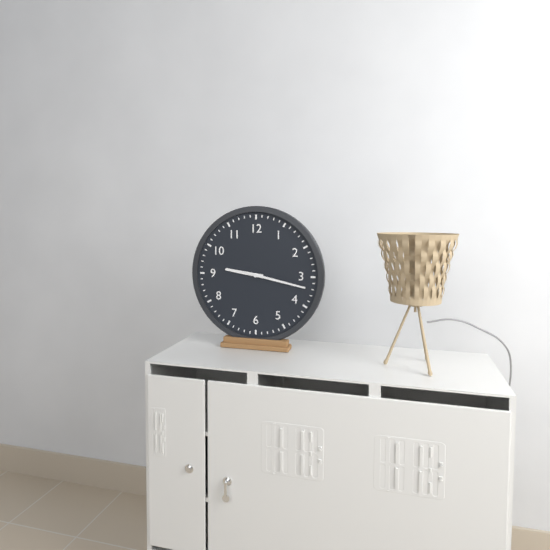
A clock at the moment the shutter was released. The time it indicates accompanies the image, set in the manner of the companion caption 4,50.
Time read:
9,17
